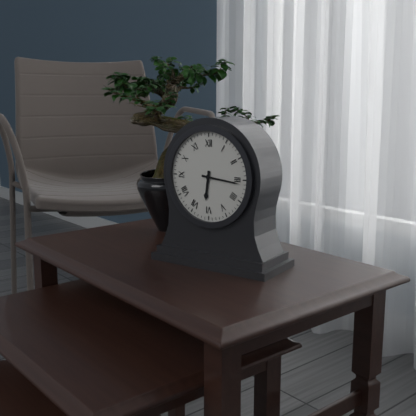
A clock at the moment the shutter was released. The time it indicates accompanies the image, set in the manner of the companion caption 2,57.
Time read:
6,16
